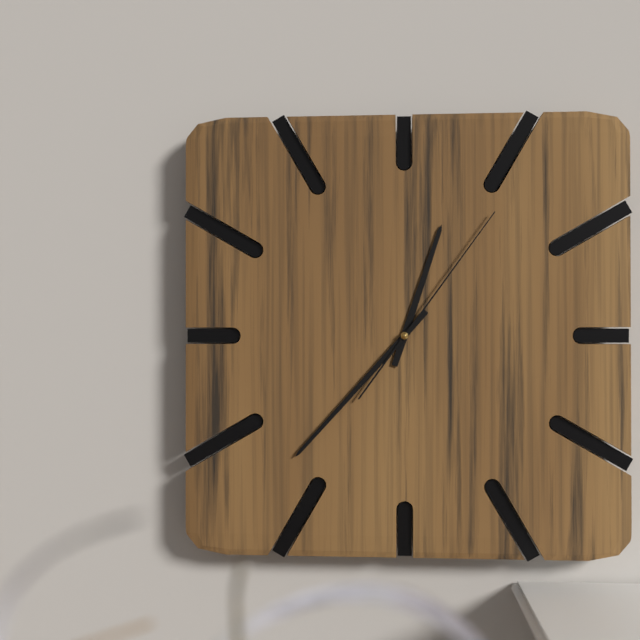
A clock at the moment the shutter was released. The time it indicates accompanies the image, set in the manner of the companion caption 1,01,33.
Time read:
12,37,06
